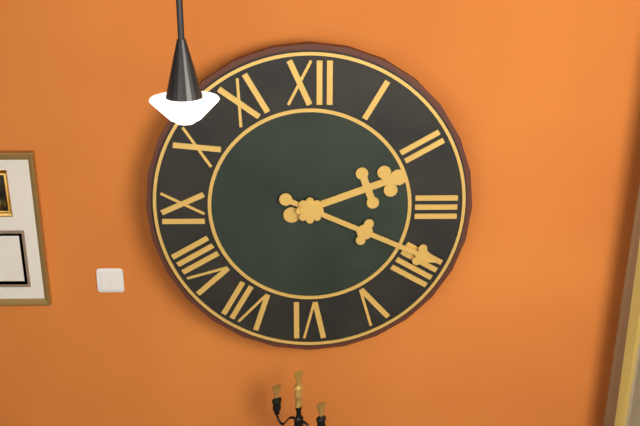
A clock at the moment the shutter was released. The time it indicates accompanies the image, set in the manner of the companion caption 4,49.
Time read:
2,19
